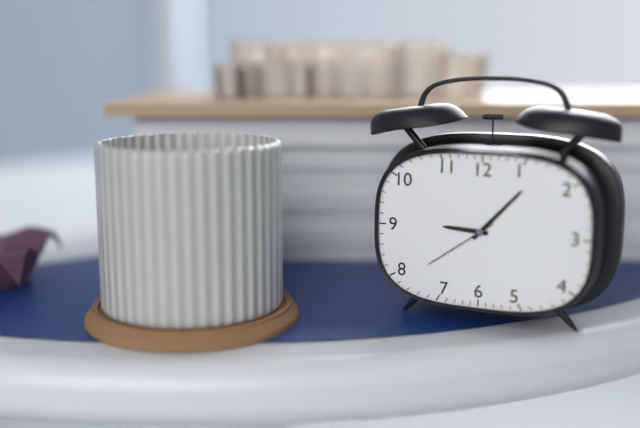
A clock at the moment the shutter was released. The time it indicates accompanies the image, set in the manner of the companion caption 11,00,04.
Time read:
9,07,39
